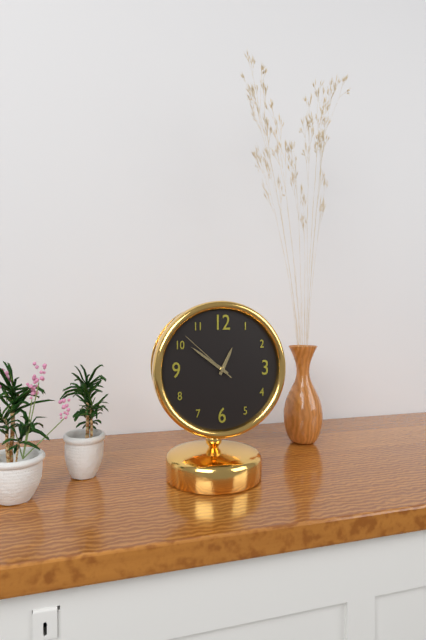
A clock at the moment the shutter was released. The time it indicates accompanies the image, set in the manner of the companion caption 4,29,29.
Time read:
12,51,52
